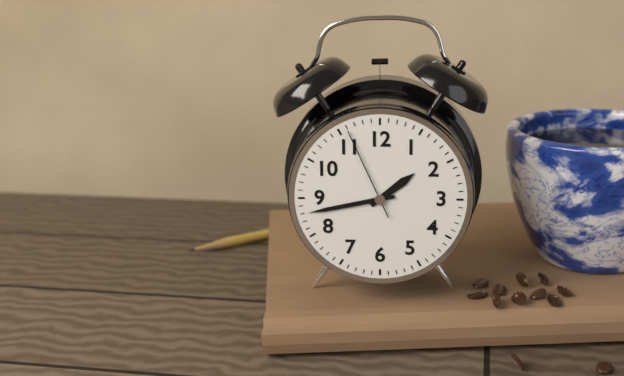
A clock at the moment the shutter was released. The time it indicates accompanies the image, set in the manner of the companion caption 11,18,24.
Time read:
1,43,56
